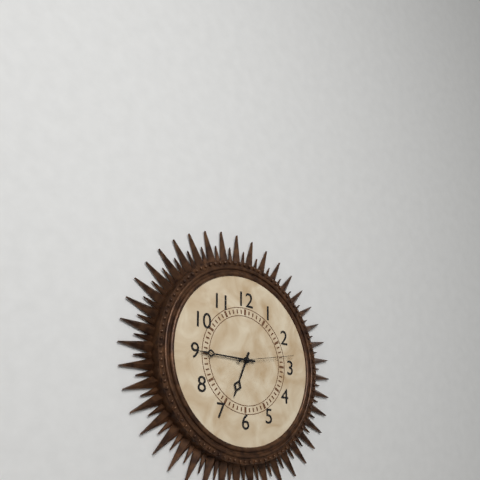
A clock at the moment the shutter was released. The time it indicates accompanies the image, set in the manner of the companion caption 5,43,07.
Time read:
6,45,13
